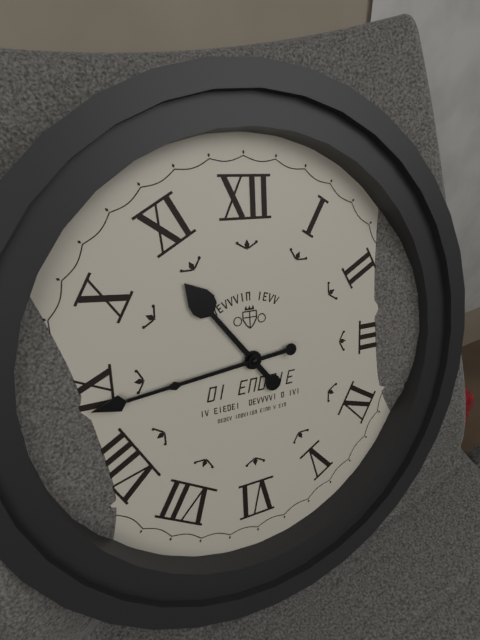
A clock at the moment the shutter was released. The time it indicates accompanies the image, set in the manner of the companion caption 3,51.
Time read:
10,44
